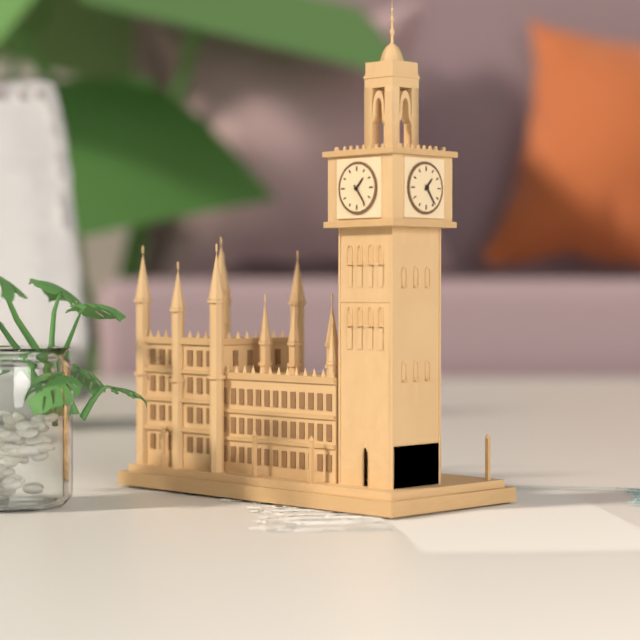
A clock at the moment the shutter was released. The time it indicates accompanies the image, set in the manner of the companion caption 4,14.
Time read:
1,24
